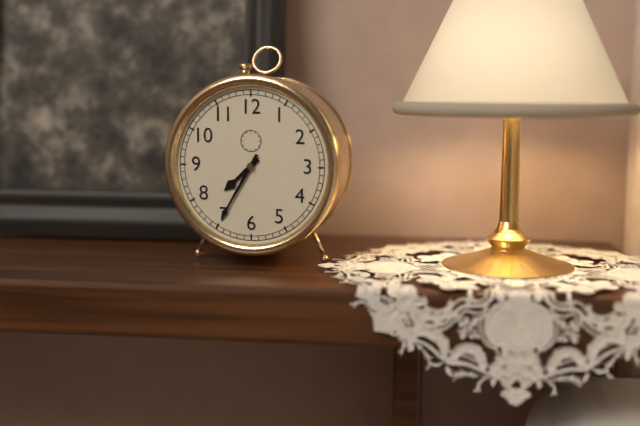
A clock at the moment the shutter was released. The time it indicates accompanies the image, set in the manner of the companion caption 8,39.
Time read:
7,35
